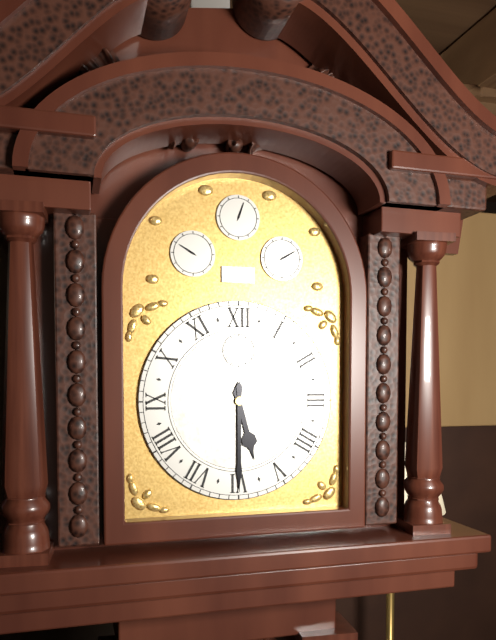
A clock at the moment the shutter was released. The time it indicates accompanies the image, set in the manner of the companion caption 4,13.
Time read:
5,30
